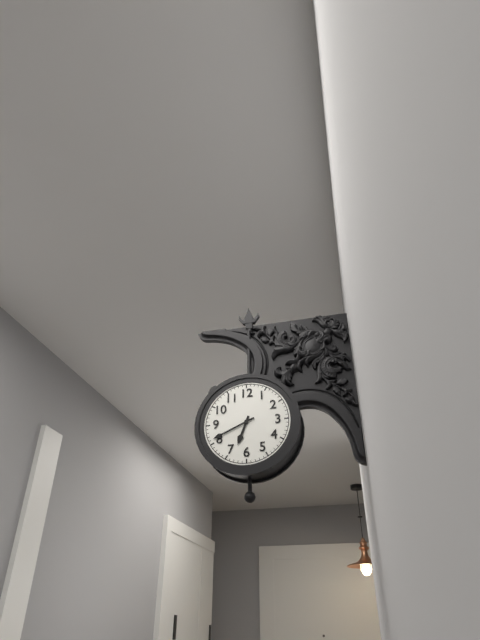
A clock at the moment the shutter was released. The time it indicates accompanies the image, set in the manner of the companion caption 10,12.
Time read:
6,41
